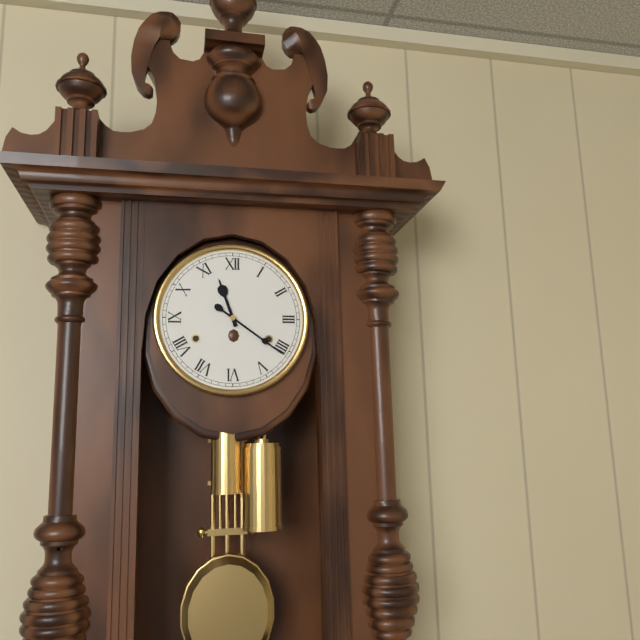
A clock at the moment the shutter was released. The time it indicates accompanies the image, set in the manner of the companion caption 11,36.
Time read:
11,21
